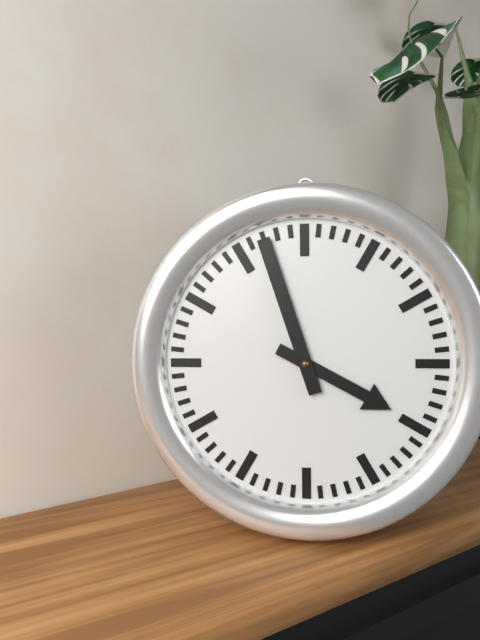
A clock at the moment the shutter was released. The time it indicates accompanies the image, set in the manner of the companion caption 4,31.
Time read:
3,57
